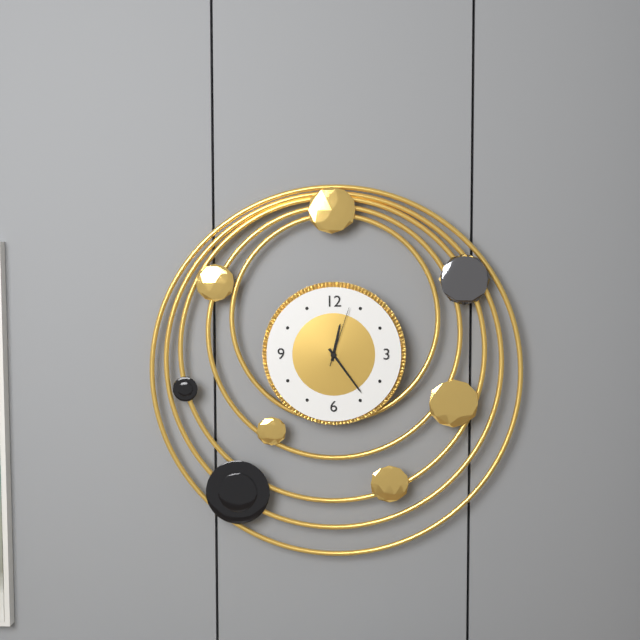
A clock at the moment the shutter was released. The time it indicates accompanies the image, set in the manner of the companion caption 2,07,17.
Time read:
12,24,03
